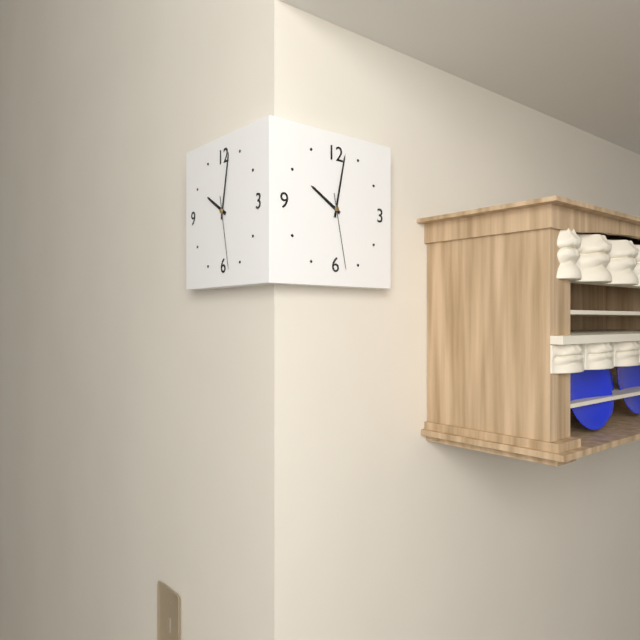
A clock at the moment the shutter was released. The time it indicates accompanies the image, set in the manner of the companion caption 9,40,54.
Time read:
10,02,28
